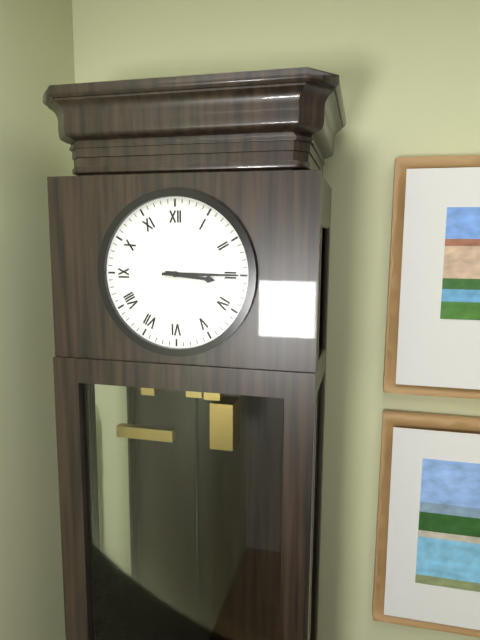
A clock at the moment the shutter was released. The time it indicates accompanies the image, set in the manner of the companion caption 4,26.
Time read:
3,15
